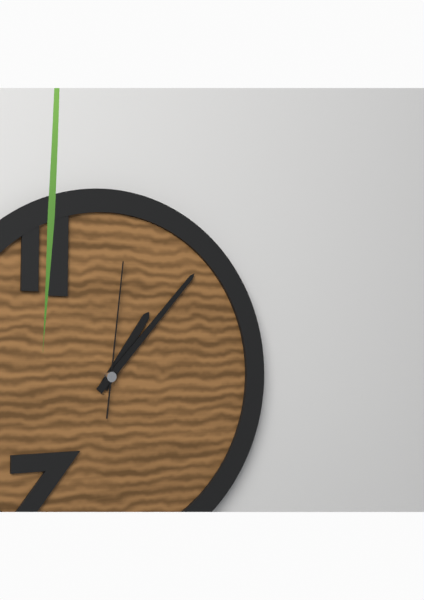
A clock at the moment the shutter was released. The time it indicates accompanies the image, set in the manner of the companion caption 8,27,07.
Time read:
1,07,01
